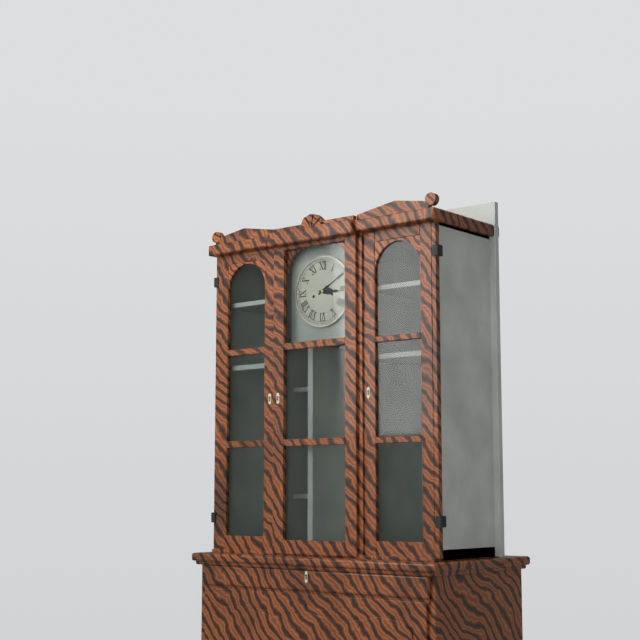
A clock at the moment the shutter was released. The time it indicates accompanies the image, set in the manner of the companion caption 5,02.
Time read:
3,10
